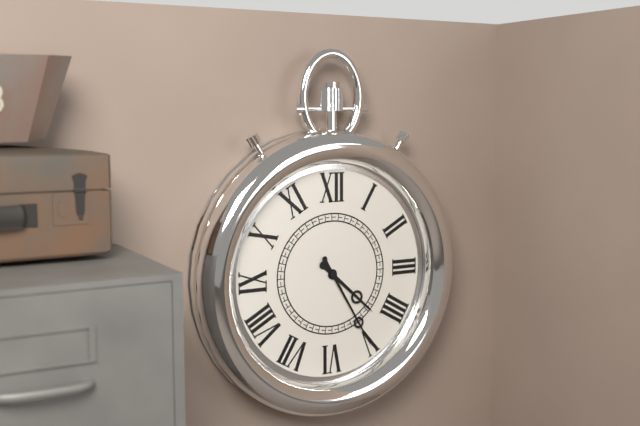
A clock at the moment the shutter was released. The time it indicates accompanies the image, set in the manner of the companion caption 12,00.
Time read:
4,25
